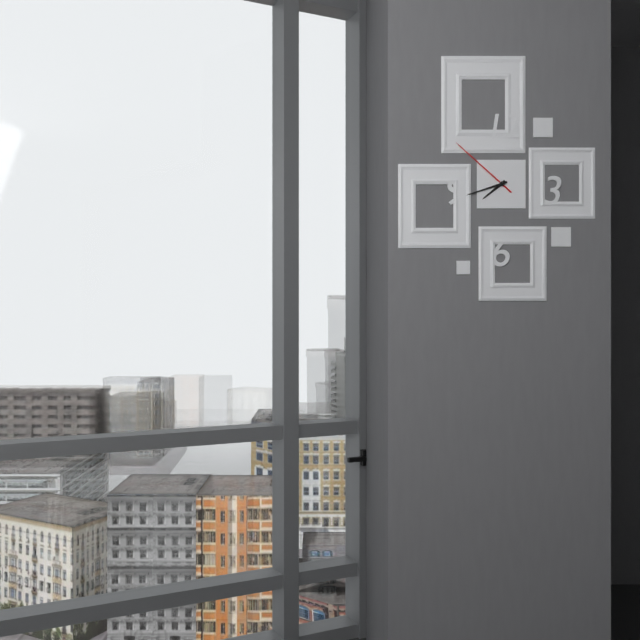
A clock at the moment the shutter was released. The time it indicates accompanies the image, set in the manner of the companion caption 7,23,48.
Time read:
7,42,52
